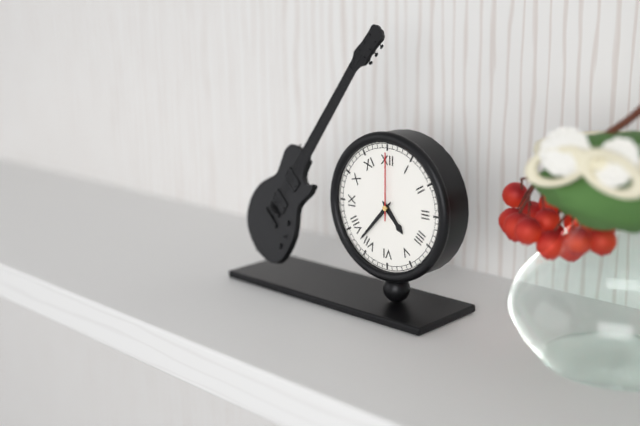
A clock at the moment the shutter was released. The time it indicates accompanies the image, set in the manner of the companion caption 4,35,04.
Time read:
4,37,00
